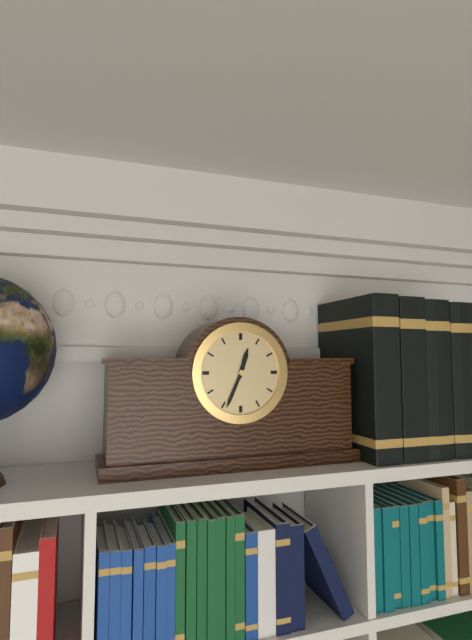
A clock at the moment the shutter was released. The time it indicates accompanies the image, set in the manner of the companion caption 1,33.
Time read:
12,34
